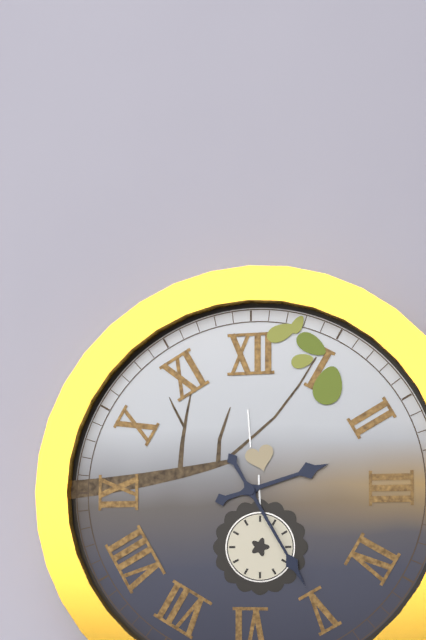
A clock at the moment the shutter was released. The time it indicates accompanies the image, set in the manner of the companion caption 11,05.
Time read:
2,25
